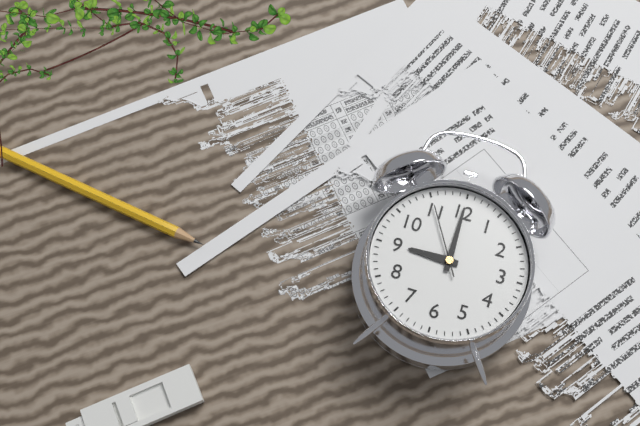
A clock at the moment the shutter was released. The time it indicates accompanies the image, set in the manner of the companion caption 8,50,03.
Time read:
9,00,55
